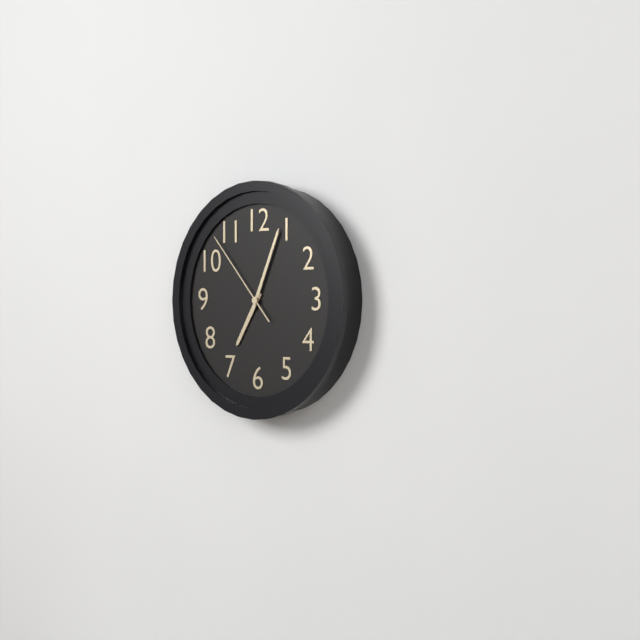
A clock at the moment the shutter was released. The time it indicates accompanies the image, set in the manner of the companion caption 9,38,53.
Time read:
7,04,53
